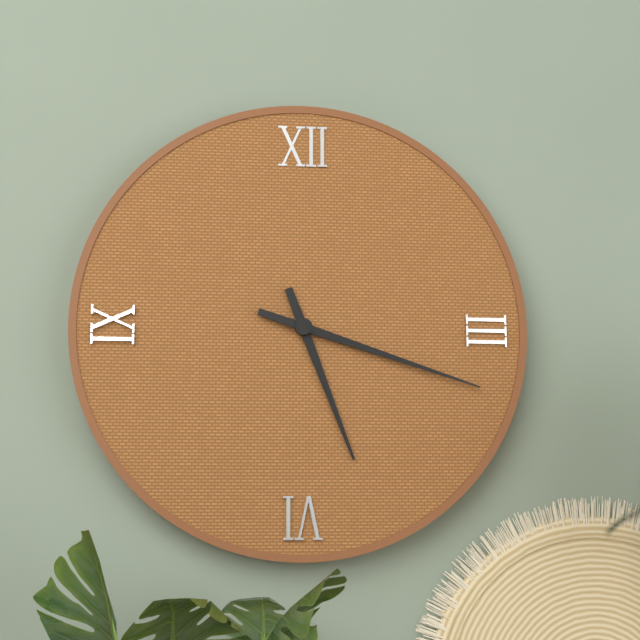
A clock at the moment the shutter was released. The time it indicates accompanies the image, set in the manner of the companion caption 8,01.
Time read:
5,18
